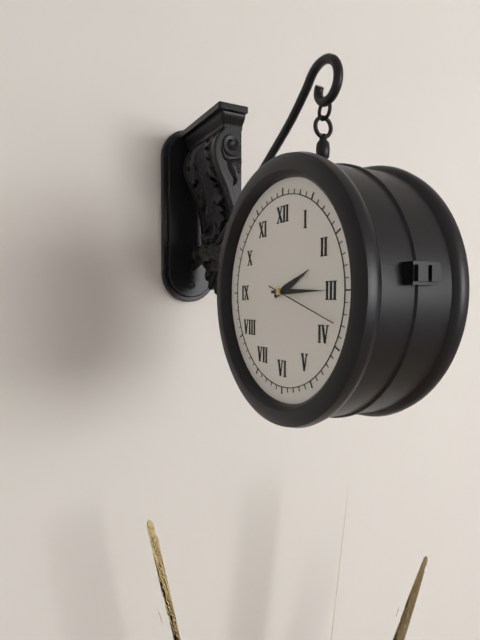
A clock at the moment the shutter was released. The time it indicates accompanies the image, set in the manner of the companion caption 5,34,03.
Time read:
2,15,18
